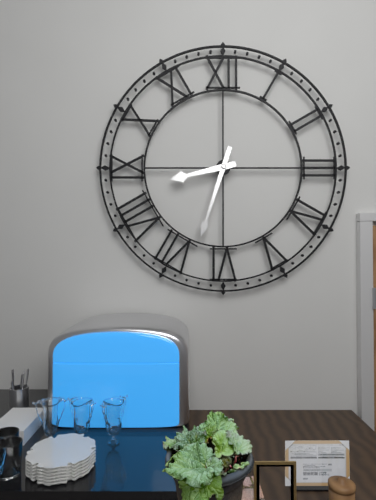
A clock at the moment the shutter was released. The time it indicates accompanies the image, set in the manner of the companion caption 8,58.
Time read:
8,33
